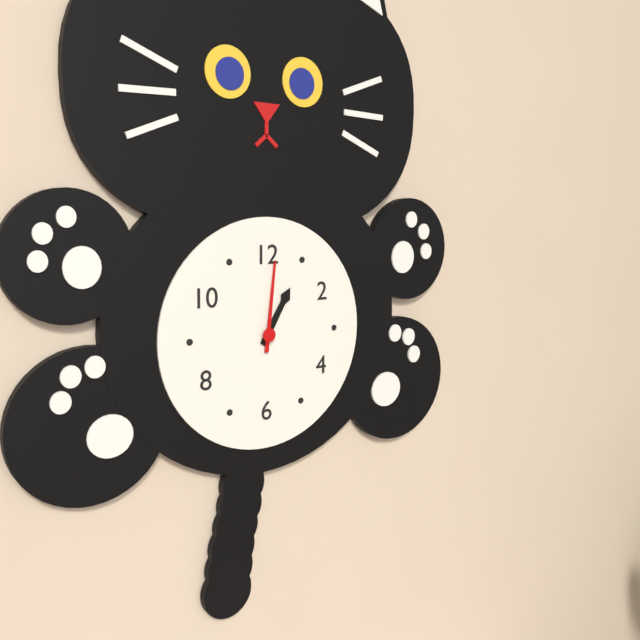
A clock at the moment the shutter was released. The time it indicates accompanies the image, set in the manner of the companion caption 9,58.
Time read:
1,01
